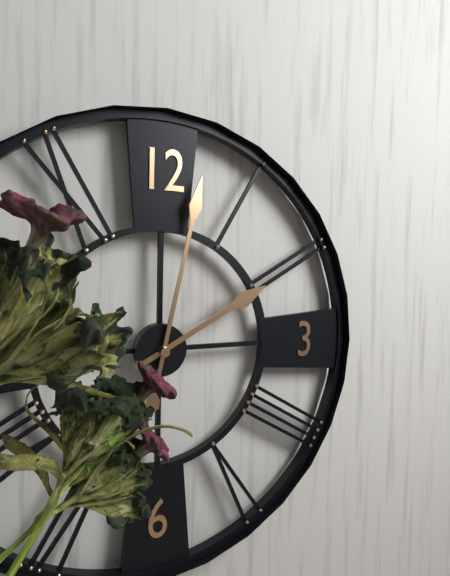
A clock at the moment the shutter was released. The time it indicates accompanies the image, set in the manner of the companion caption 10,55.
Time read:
2,02
